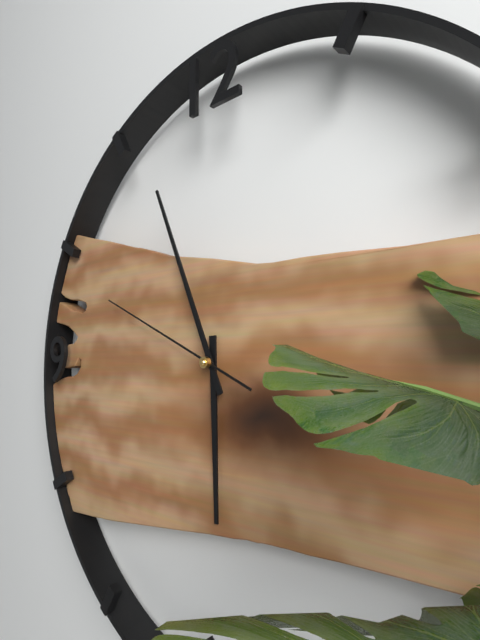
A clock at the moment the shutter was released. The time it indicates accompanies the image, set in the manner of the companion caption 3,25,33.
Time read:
5,56,49
